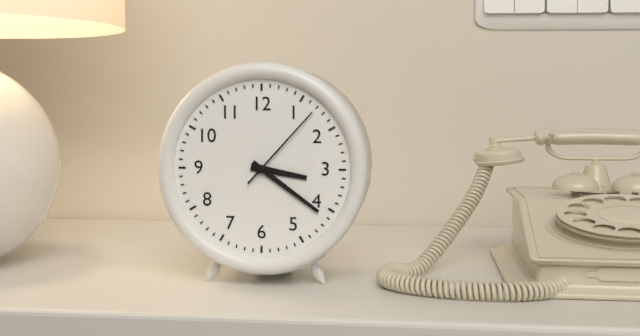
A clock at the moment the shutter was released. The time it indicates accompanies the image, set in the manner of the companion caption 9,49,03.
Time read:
3,21,07
